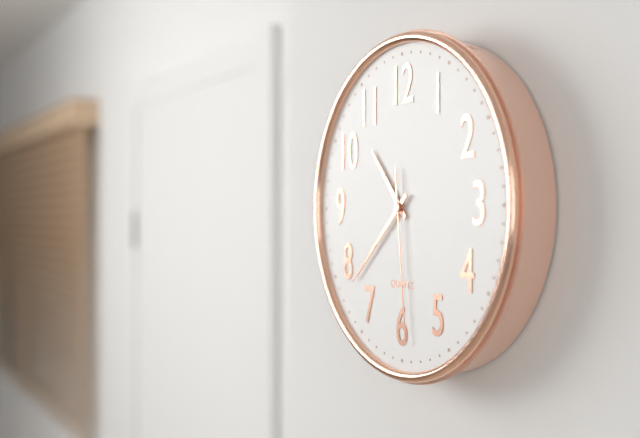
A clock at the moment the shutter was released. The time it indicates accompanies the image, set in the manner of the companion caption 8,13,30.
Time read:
10,38,29
